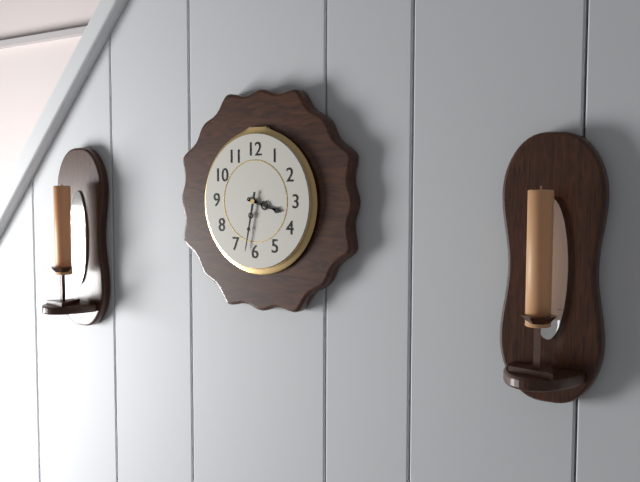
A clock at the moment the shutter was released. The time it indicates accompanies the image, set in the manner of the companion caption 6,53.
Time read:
3,32
